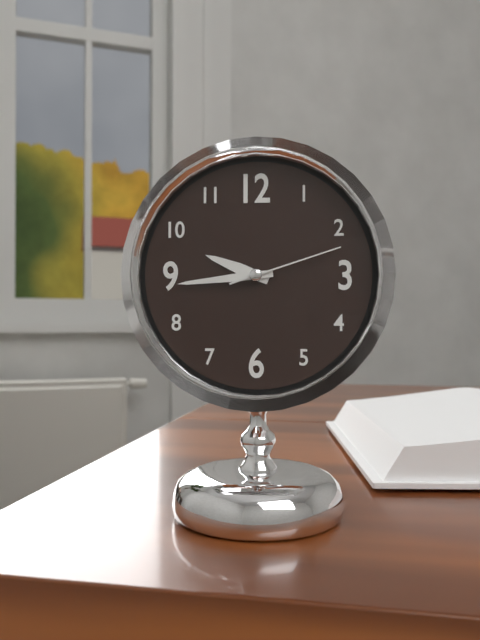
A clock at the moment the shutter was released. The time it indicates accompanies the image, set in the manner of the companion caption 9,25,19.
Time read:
9,44,12
